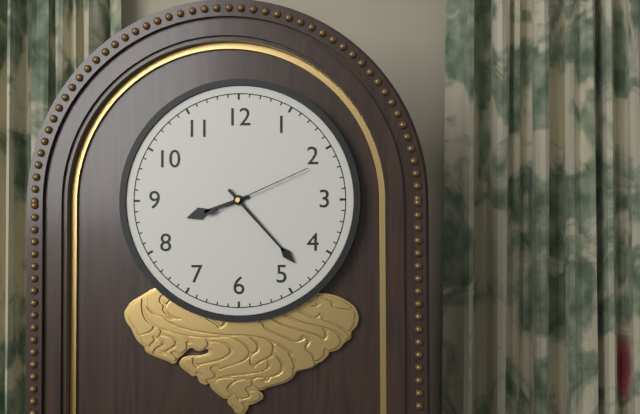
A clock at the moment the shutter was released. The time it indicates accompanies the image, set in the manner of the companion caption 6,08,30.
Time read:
8,23,11
